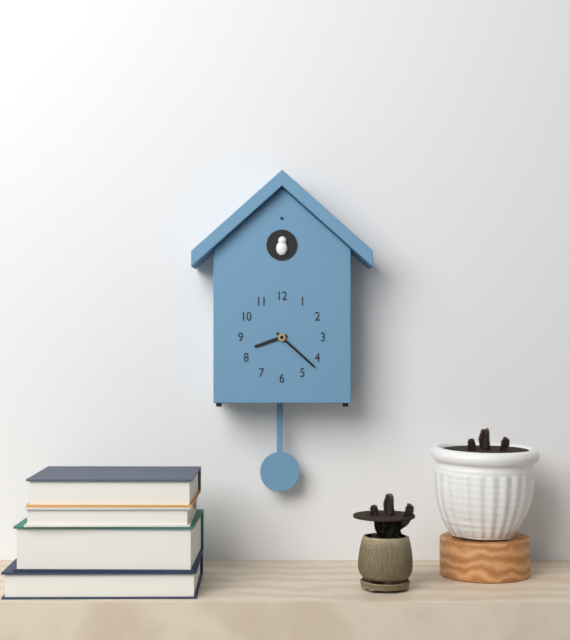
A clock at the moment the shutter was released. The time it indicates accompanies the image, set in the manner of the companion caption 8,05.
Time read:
8,22
